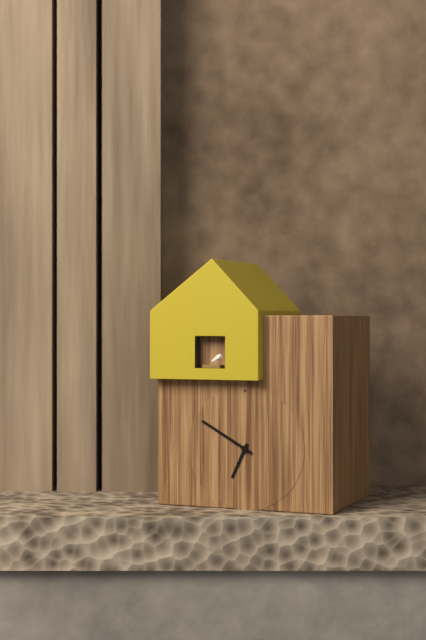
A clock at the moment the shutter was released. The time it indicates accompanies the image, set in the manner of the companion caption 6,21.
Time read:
6,50
